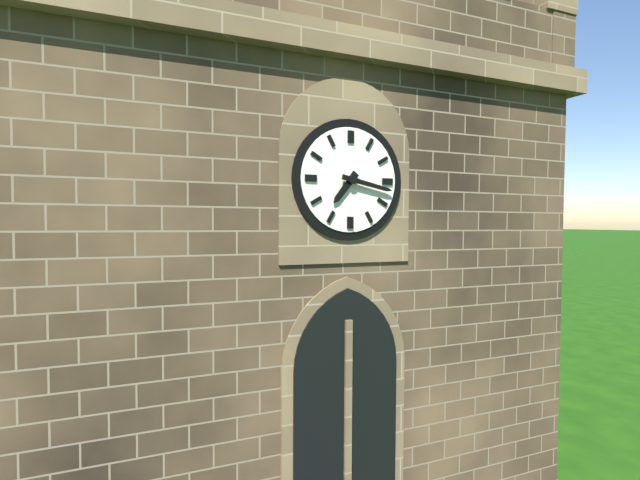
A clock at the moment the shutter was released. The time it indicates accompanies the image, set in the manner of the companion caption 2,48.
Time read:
7,17
